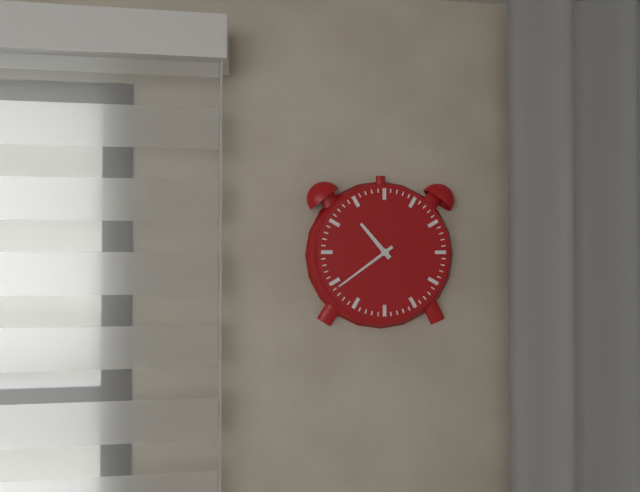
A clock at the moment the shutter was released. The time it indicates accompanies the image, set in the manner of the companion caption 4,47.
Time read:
10,39
